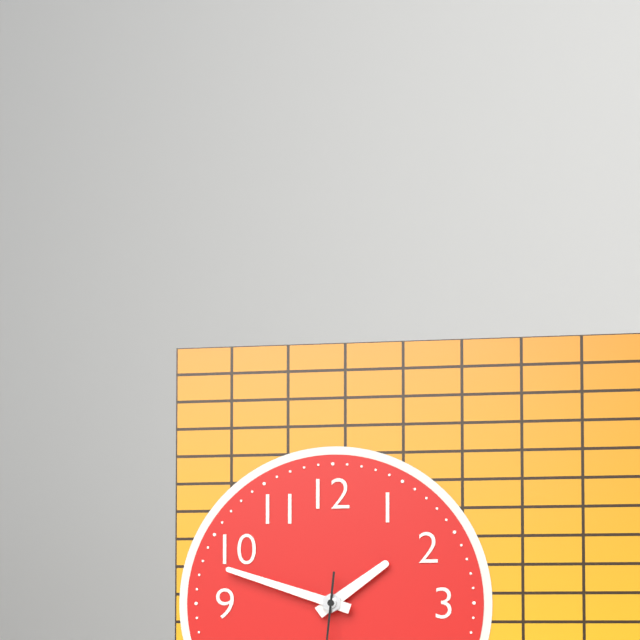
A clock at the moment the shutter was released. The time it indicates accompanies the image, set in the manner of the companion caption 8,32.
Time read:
1,48
